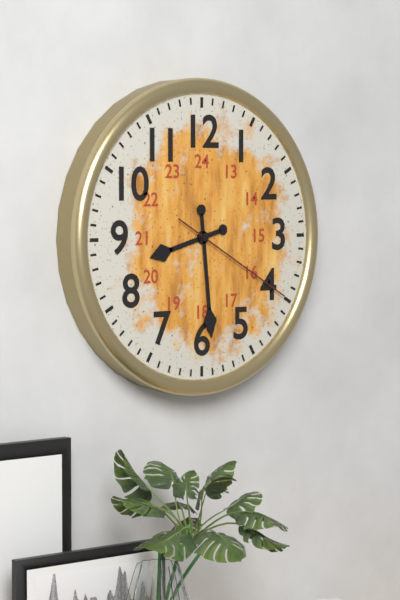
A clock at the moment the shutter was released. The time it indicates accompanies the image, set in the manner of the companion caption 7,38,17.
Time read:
8,29,20
